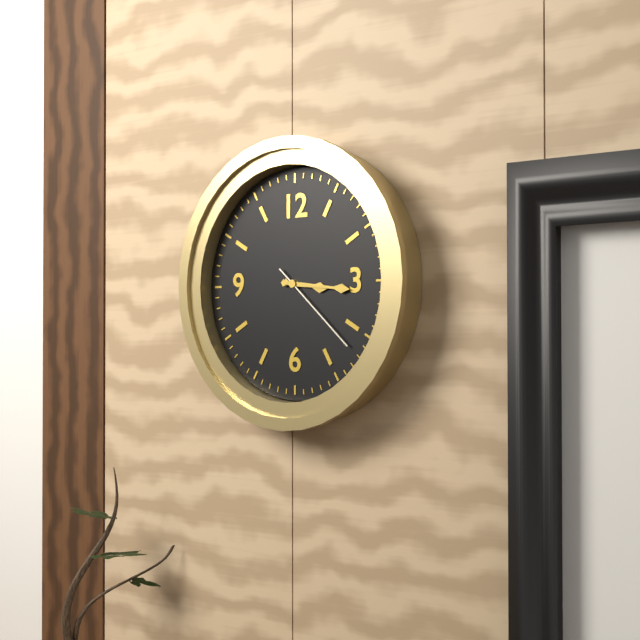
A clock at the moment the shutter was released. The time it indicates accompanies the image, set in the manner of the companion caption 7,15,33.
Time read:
3,16,22
